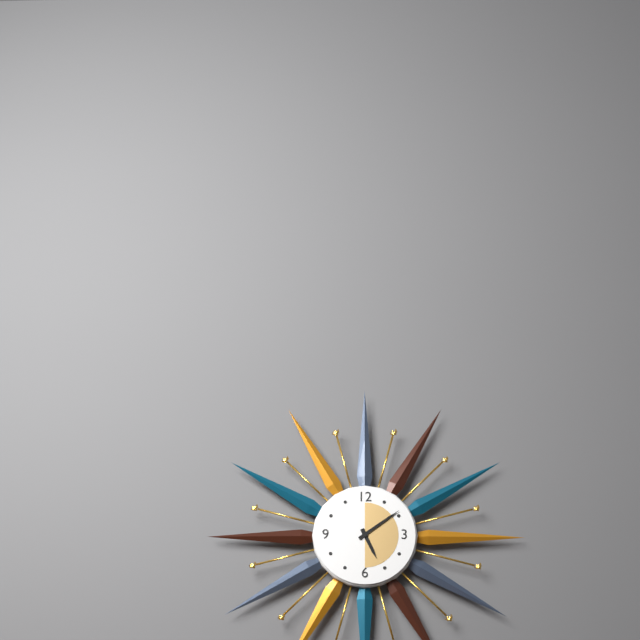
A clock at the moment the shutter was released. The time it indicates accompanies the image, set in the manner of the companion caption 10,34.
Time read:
5,09
